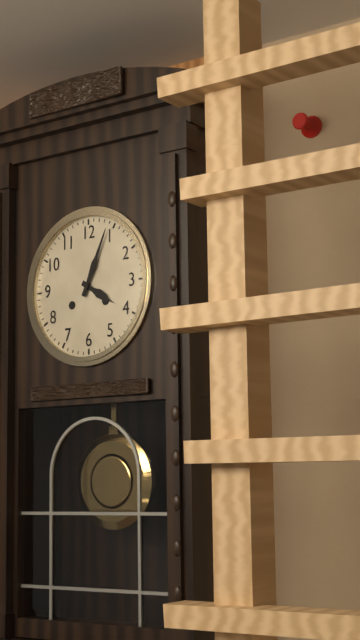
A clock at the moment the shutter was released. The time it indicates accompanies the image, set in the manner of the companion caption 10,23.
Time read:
4,04
